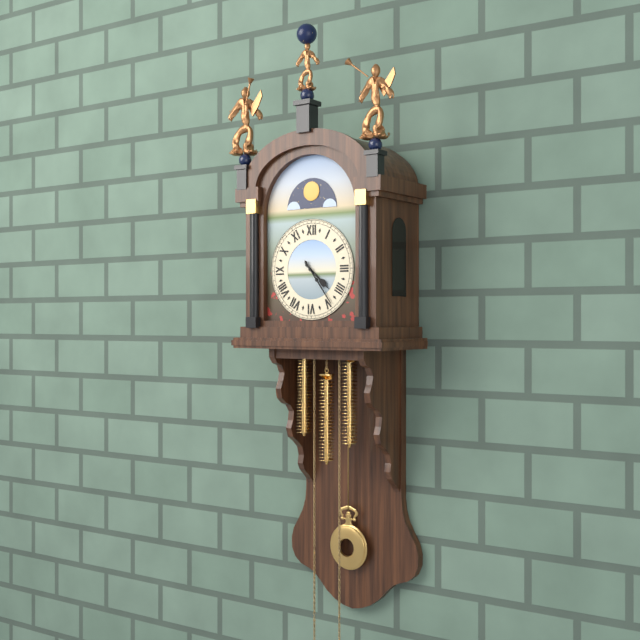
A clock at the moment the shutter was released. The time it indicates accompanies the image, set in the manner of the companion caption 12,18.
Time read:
4,24
